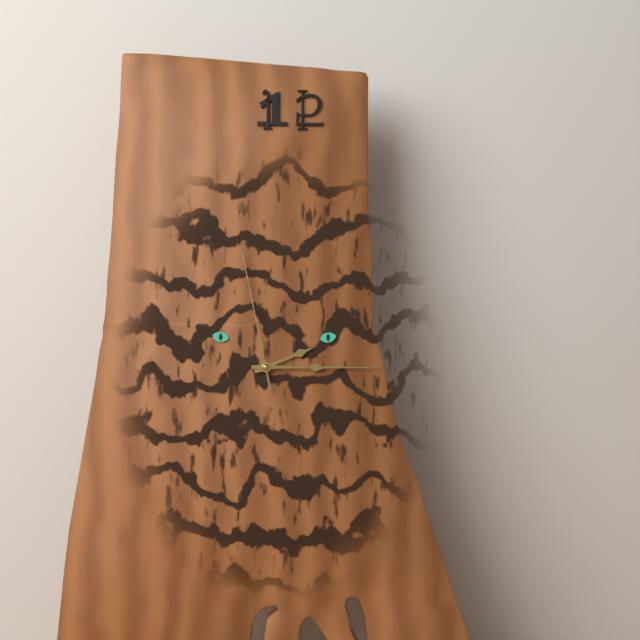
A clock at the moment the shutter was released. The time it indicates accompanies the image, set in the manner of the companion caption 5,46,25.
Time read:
2,15,58
